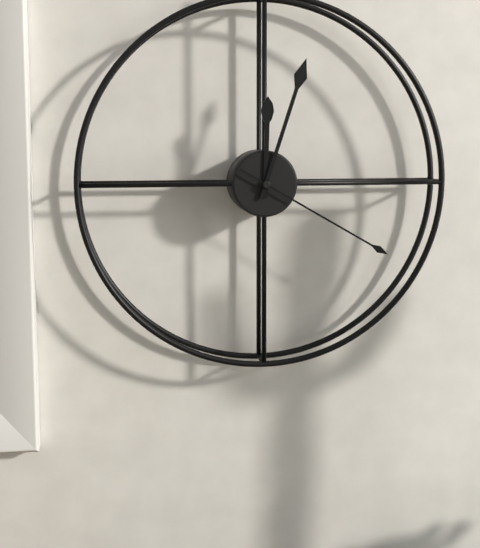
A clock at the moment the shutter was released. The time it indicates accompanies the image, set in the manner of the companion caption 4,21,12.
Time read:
12,03,20
